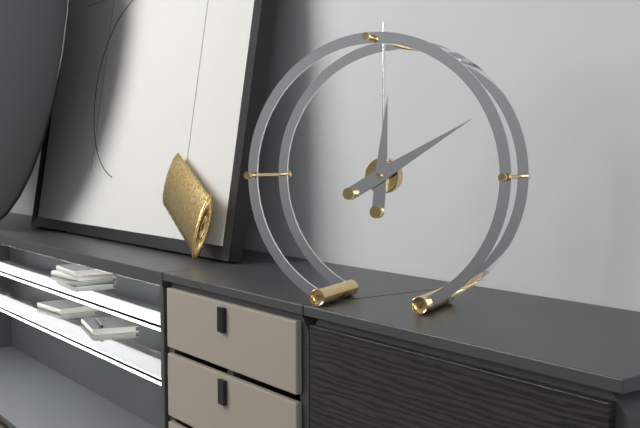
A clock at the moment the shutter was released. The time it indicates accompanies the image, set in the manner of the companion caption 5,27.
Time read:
12,10
